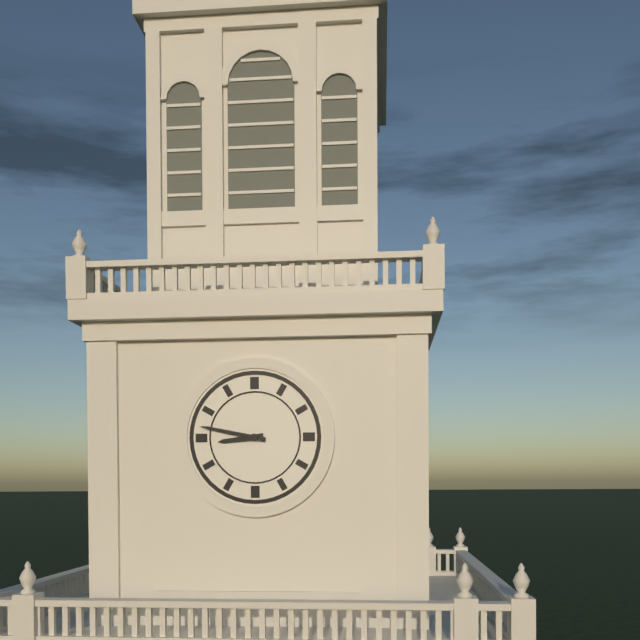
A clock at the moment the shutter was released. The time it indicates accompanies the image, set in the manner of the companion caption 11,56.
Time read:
8,47
